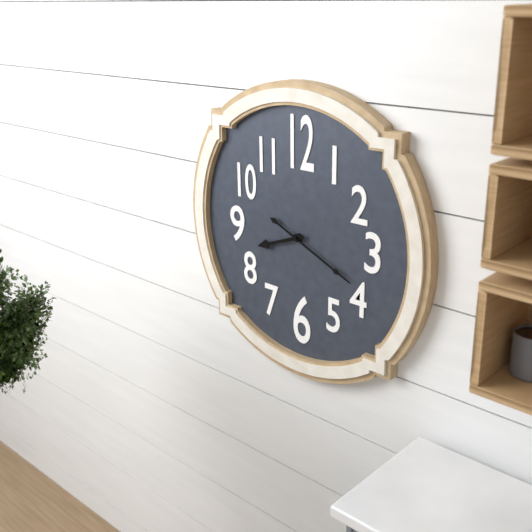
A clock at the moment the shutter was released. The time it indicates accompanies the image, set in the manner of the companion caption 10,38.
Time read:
8,19
